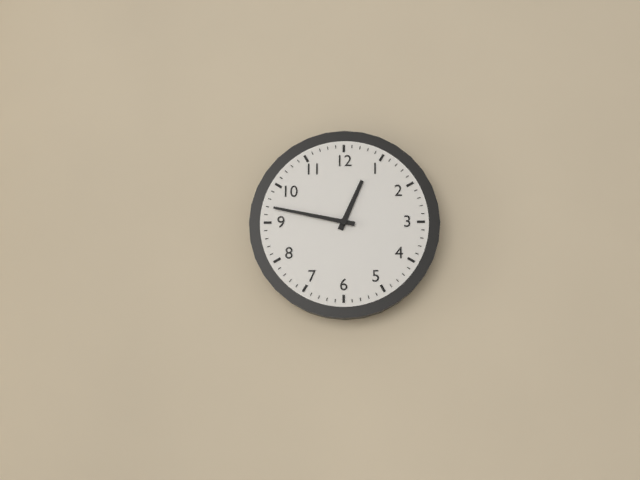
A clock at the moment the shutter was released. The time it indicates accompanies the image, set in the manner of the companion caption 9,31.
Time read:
12,47
